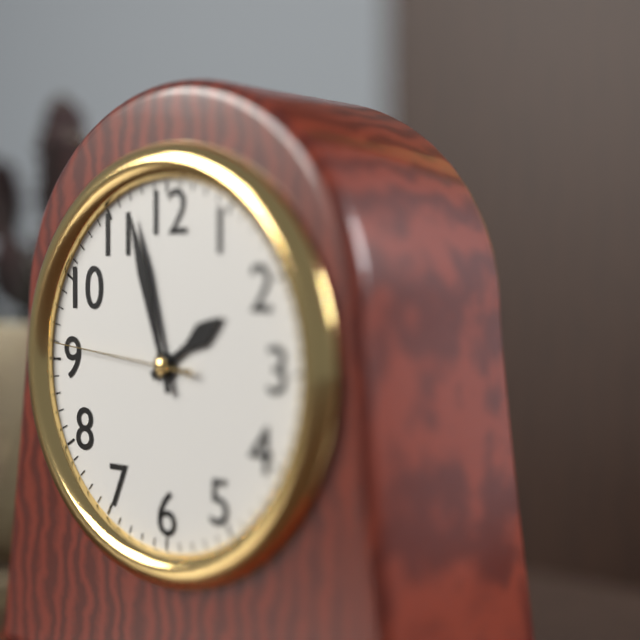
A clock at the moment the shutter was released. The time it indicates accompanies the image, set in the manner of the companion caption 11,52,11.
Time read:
1,57,46
